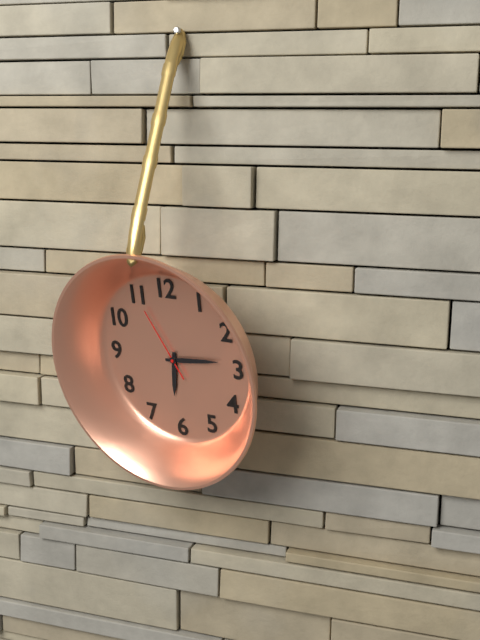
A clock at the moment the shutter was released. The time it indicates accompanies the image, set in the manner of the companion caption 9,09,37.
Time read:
6,14,55
